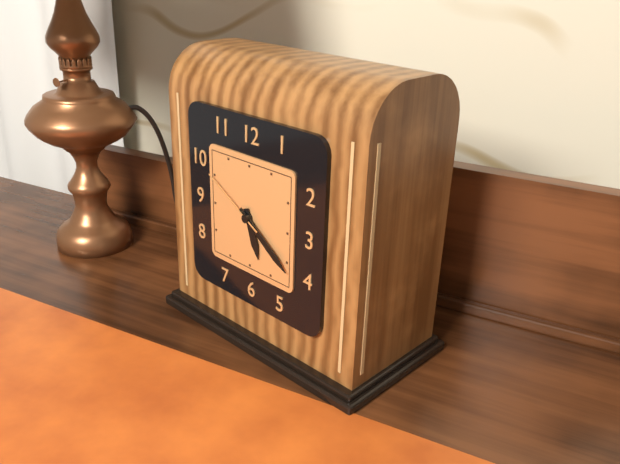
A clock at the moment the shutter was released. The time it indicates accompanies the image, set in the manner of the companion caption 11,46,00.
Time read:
5,21,50
